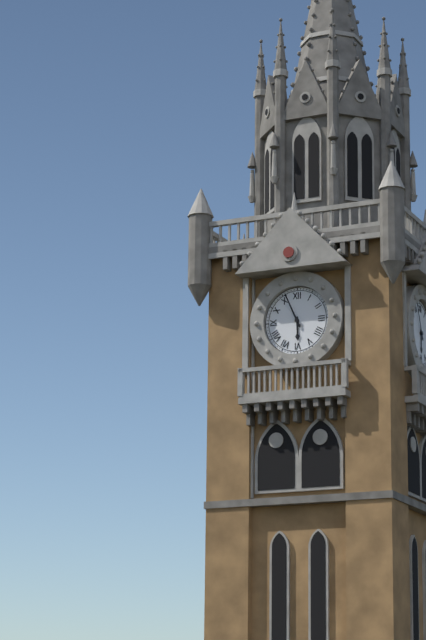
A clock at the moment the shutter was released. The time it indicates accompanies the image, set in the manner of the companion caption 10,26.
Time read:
5,56
